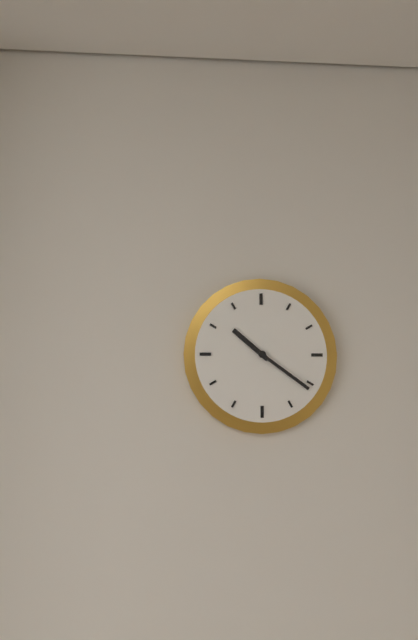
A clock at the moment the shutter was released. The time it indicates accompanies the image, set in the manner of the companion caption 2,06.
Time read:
10,21
